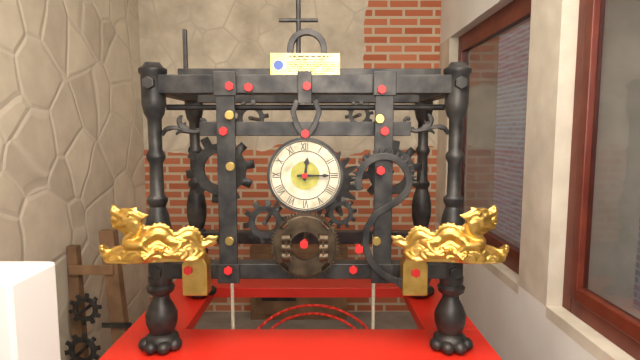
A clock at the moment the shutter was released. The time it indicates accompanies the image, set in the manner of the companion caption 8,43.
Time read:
12,15
